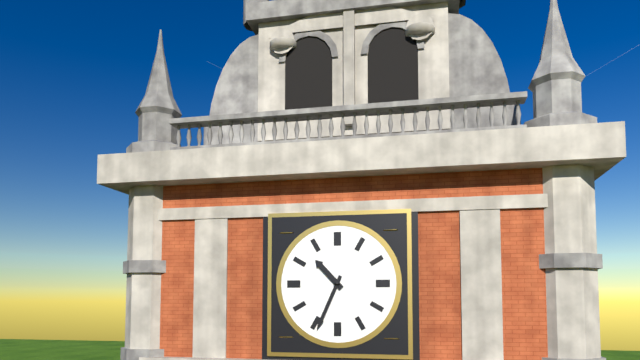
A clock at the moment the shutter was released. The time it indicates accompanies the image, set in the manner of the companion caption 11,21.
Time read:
10,34
